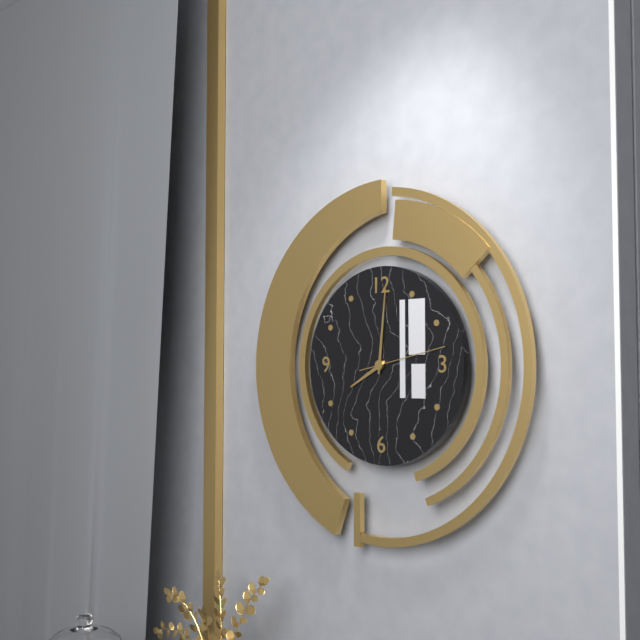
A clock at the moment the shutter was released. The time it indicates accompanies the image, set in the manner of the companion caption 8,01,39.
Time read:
8,01,13
